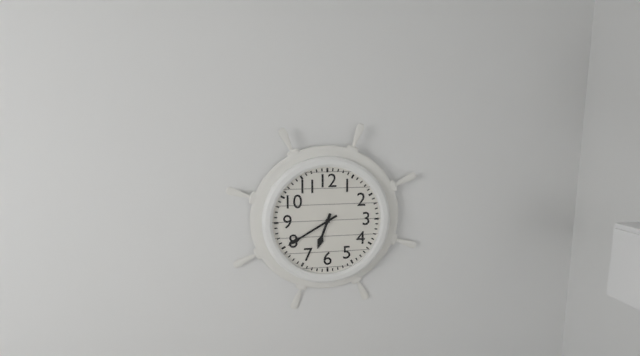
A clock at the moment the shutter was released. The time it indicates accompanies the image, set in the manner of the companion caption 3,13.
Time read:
6,40
